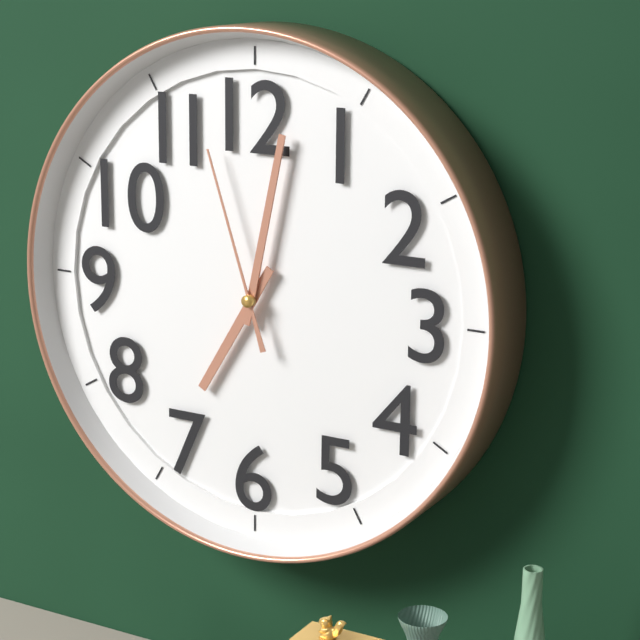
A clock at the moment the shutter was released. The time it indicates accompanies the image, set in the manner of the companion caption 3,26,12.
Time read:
7,02,57
